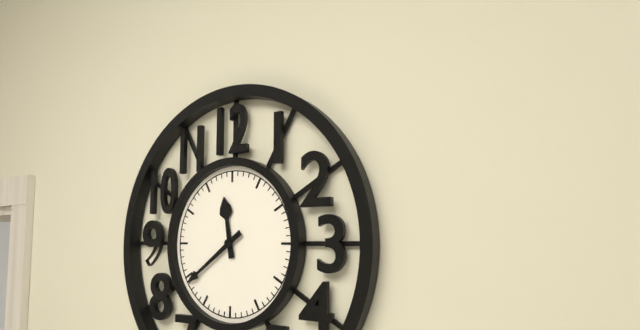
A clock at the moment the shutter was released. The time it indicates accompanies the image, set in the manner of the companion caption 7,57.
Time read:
11,39
